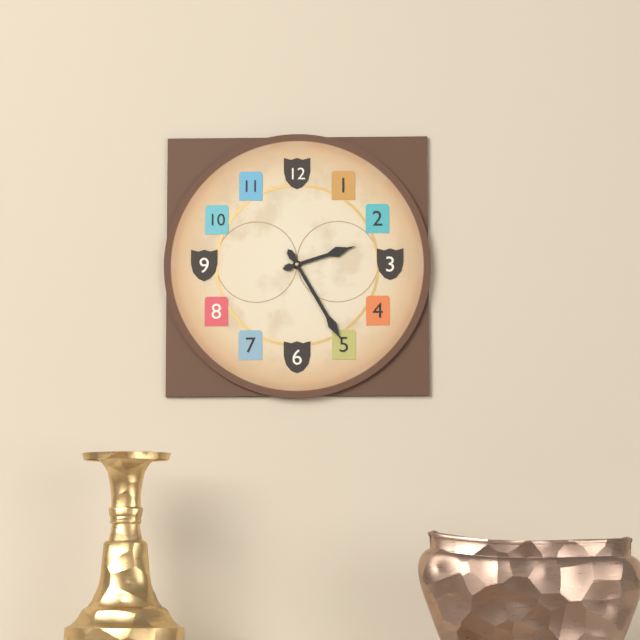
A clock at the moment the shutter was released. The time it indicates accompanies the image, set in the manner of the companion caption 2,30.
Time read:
2,25
